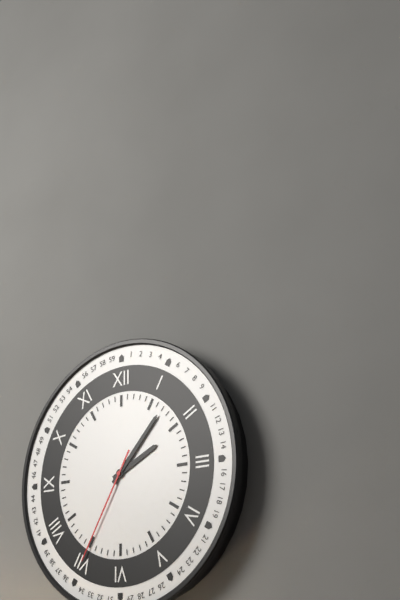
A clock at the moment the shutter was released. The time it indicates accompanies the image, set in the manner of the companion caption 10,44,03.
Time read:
2,07,35
